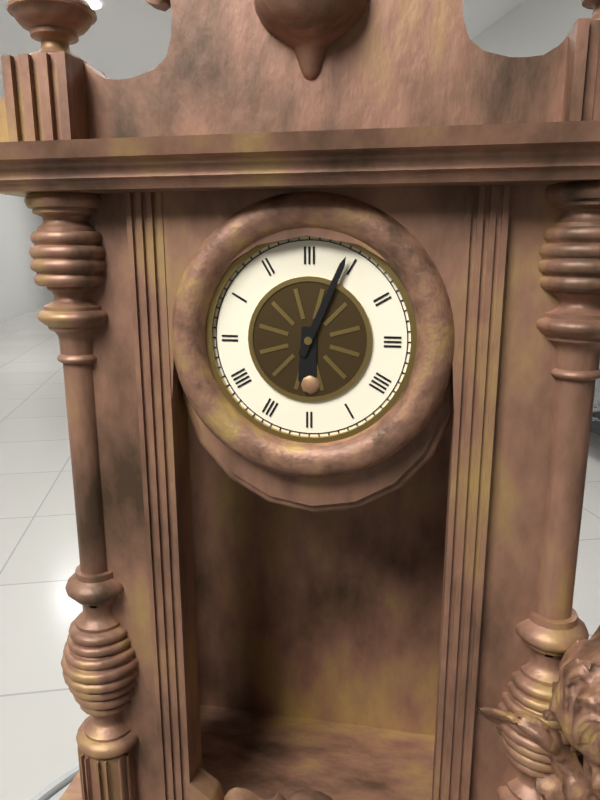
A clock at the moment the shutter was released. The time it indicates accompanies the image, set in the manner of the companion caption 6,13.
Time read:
6,04
